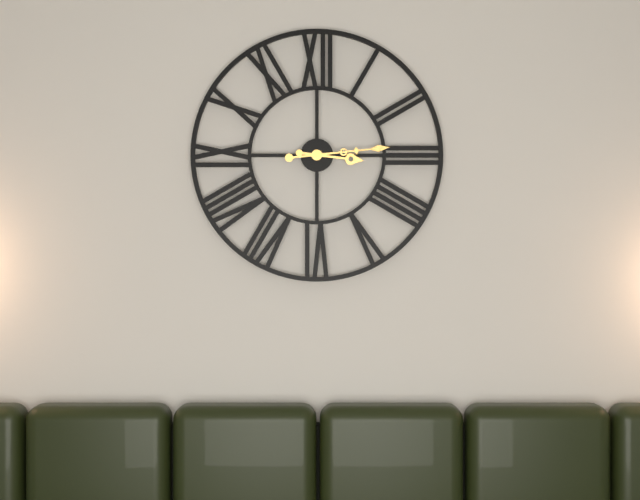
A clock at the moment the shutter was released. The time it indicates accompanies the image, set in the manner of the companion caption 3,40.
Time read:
3,14
